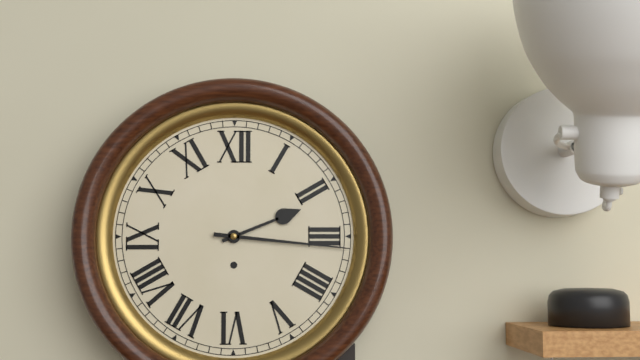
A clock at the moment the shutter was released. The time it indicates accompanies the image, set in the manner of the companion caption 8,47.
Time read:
2,16
